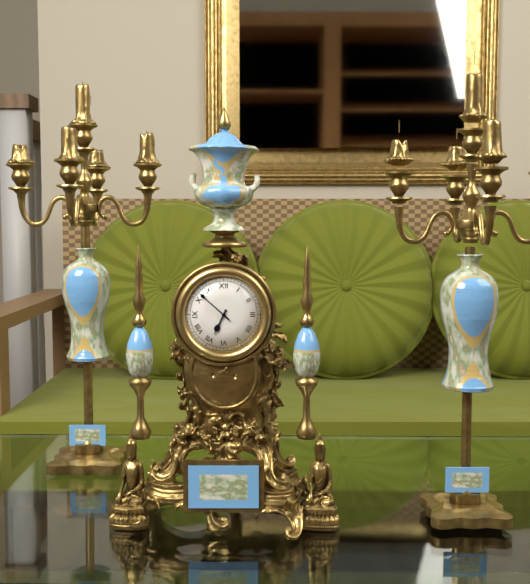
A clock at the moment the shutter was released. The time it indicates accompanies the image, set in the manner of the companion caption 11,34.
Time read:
6,52
